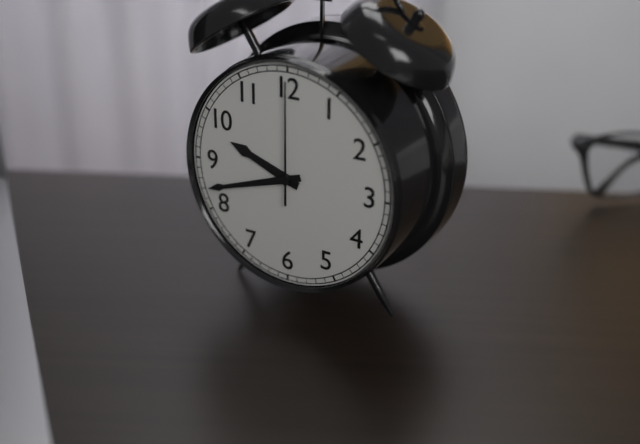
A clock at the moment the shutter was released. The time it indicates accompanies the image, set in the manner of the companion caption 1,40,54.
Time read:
9,42,00
